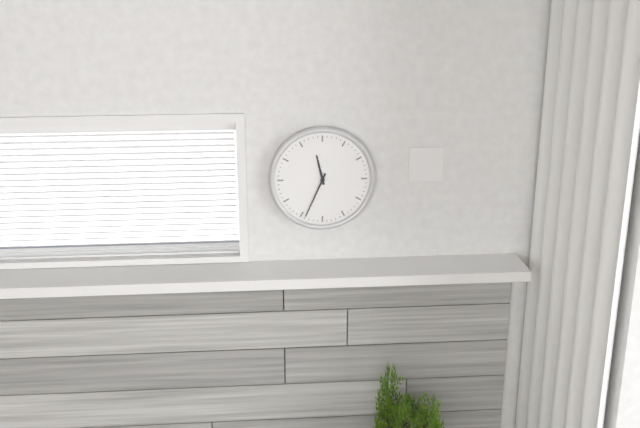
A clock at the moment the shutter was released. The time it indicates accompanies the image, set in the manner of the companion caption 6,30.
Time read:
11,34
